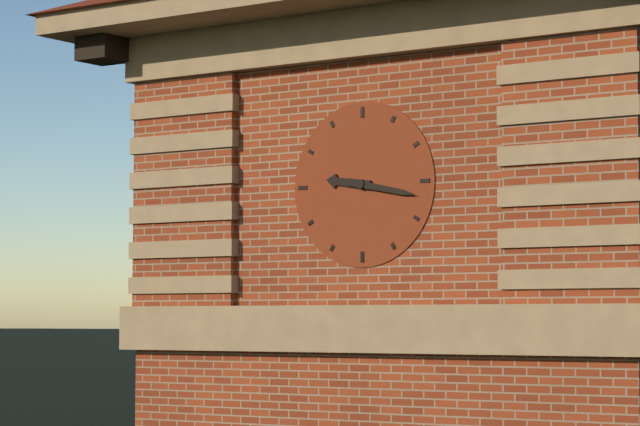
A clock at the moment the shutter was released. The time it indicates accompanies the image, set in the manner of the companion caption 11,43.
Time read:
9,17
